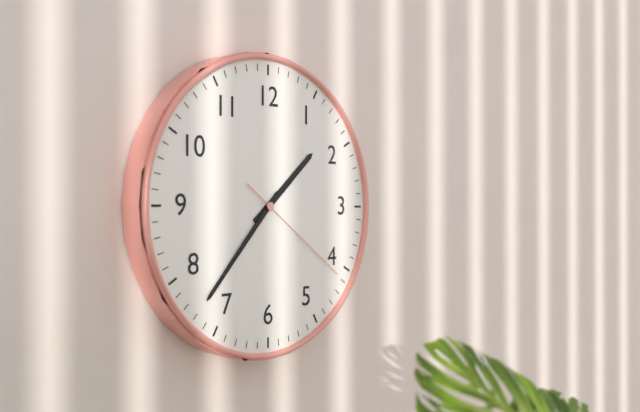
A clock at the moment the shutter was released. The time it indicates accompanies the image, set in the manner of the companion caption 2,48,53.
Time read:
1,37,21
